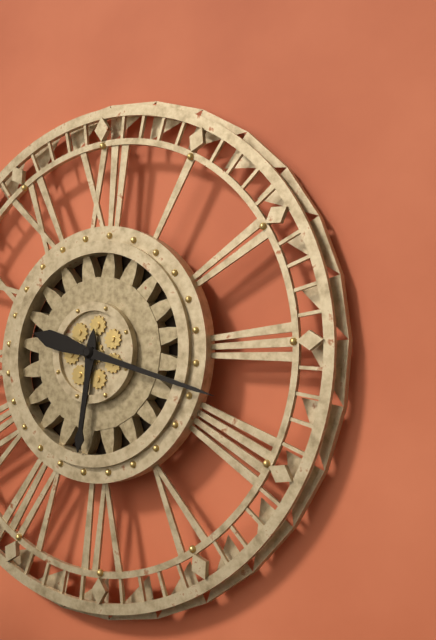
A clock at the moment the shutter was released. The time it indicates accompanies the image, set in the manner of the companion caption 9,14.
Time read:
6,18
